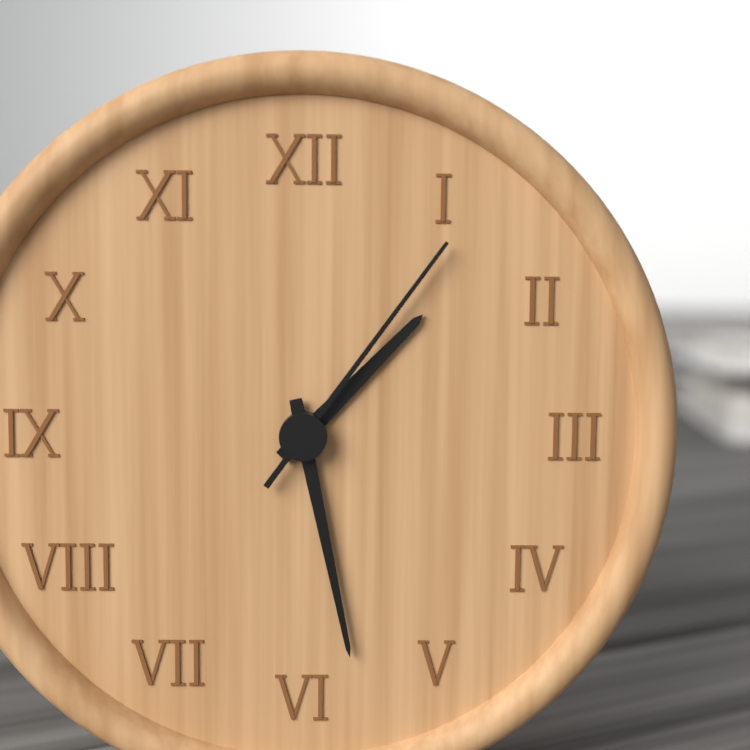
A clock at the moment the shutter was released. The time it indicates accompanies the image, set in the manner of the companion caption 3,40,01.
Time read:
1,28,06
